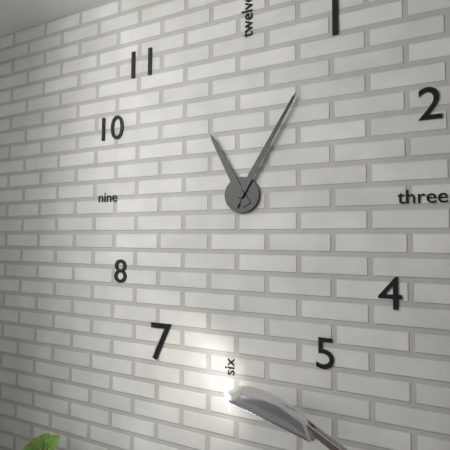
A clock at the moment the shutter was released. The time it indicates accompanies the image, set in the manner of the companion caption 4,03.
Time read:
11,05
